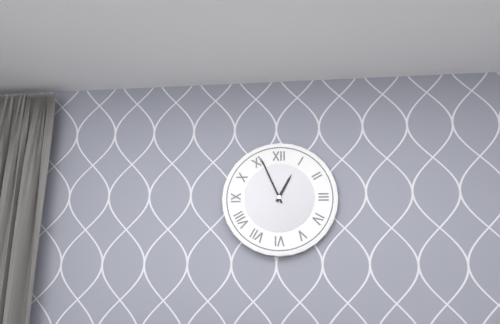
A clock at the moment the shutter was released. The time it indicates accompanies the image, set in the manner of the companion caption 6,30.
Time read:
12,56
